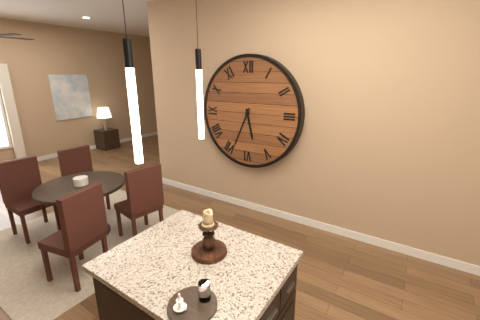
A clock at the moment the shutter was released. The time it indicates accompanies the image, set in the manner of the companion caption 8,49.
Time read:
5,34
